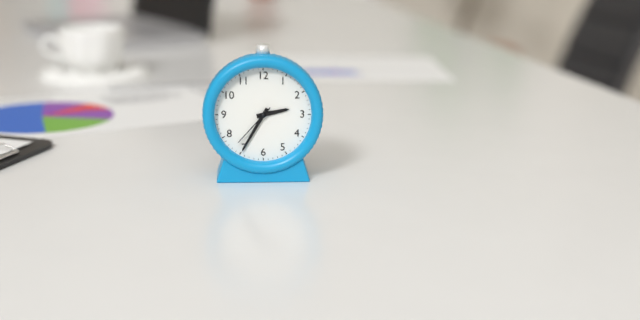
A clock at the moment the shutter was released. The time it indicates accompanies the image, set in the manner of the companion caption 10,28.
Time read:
2,35
